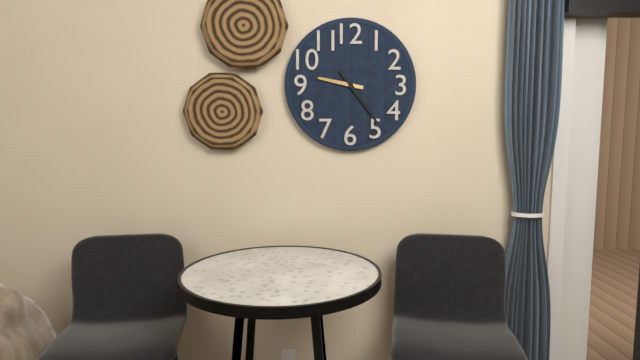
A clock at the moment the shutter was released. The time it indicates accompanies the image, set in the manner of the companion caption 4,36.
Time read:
9,24
